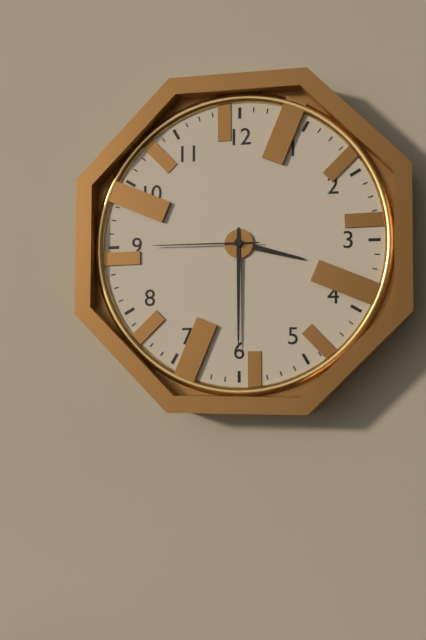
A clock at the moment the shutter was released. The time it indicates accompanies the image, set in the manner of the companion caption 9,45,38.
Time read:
3,30,45
